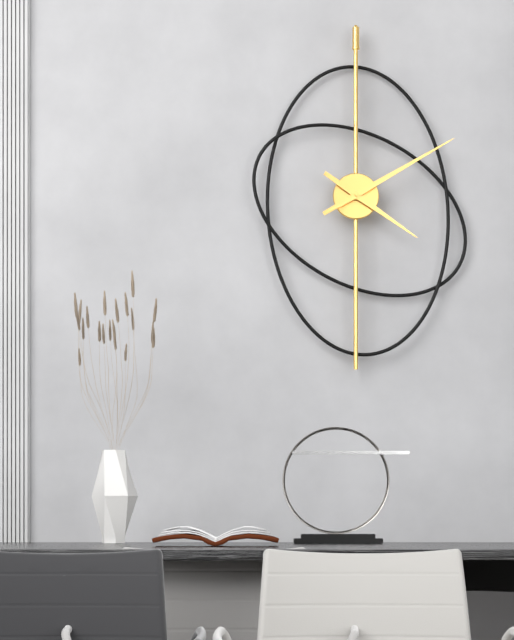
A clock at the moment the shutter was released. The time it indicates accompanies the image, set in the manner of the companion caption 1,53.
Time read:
4,10
